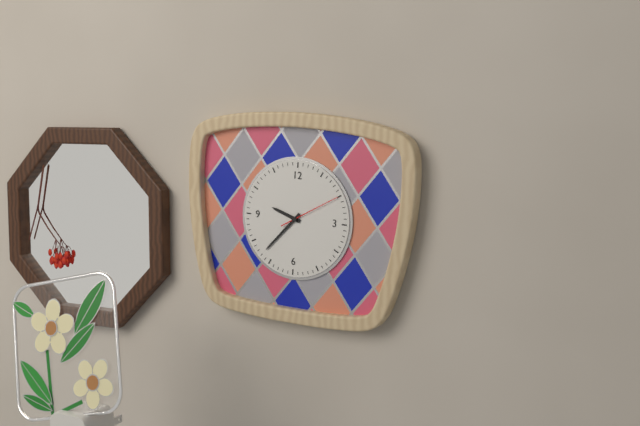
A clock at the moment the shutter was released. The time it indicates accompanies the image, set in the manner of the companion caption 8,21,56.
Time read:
9,37,10
